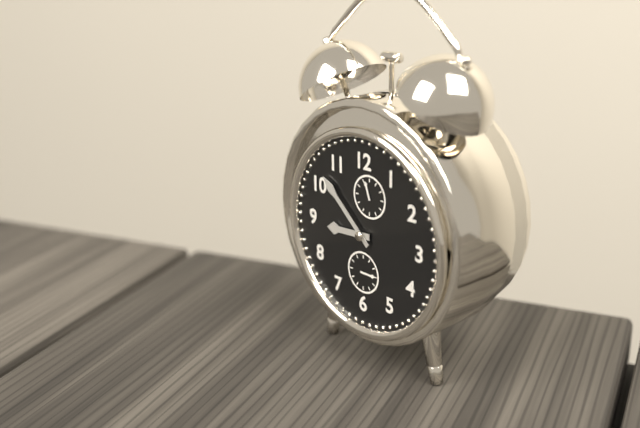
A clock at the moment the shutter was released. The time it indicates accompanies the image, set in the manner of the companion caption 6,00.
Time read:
8,52
